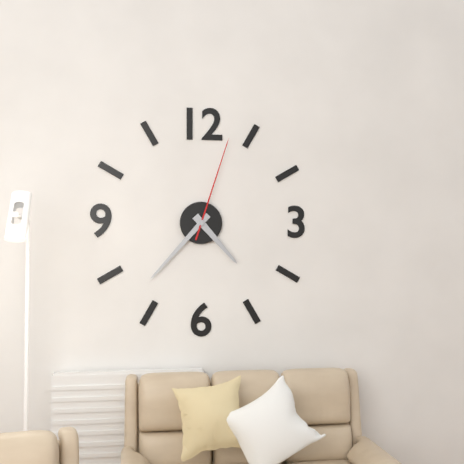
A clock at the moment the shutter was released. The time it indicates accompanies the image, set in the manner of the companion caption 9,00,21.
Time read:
4,37,03
